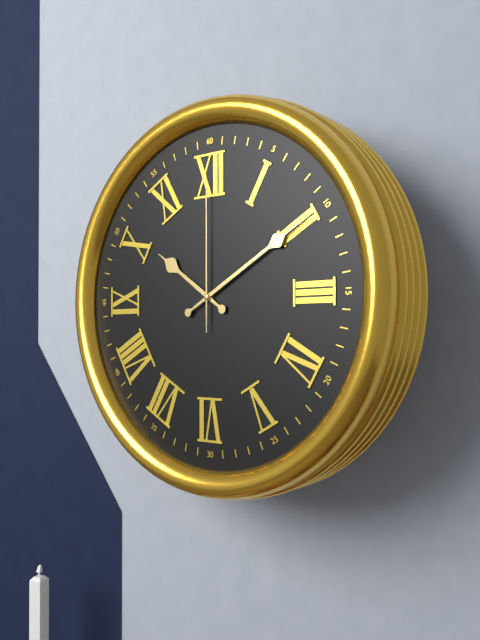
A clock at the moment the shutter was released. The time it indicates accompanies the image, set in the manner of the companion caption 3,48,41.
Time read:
10,10,00
